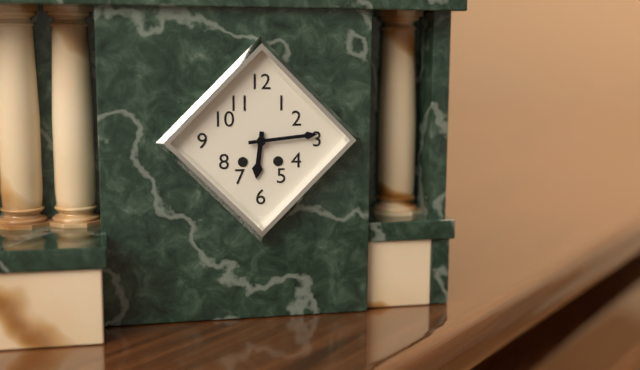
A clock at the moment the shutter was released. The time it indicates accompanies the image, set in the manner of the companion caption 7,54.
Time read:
6,14
